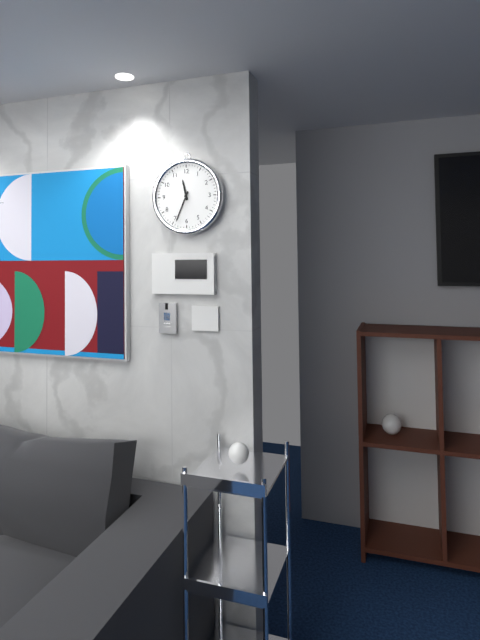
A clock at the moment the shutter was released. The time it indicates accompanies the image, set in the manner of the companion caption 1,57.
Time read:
11,34
